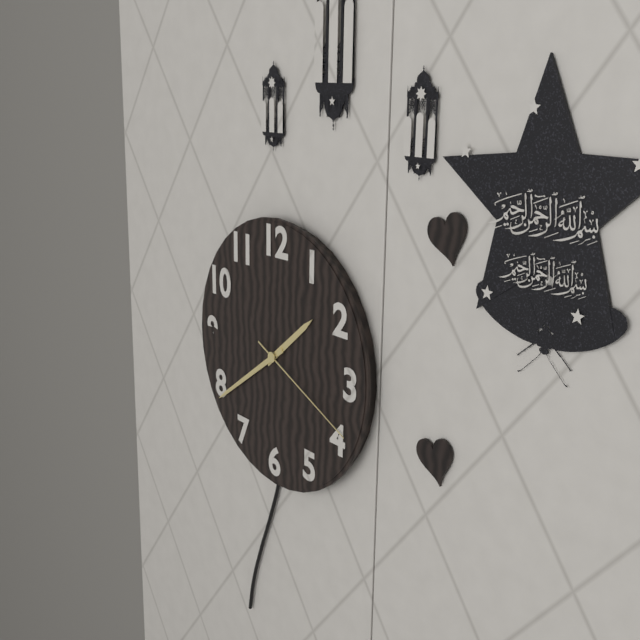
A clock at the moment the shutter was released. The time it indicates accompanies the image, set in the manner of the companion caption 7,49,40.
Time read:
1,39,19
